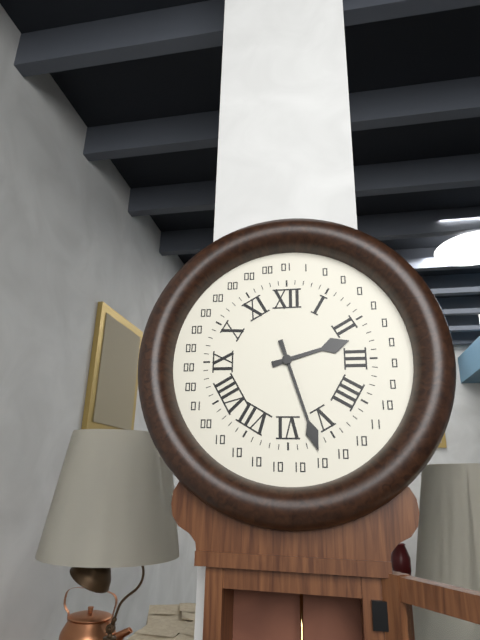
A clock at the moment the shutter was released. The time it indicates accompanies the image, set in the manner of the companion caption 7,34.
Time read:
2,27
